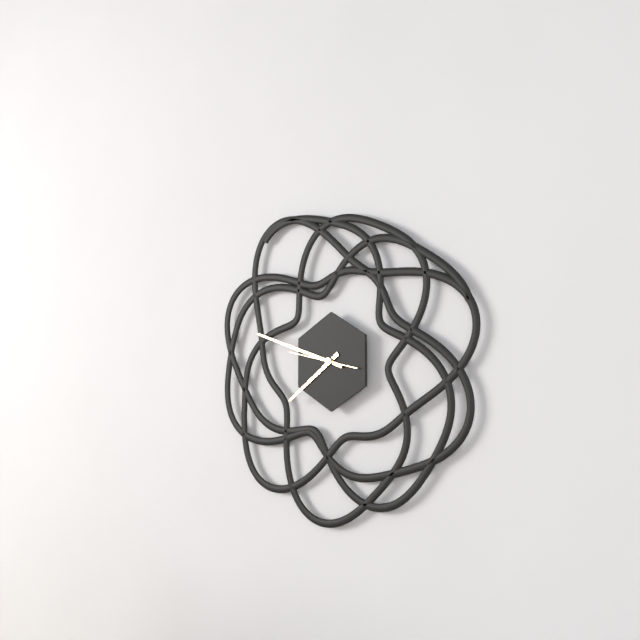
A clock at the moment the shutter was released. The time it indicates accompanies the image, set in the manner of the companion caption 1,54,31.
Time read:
7,48,47
